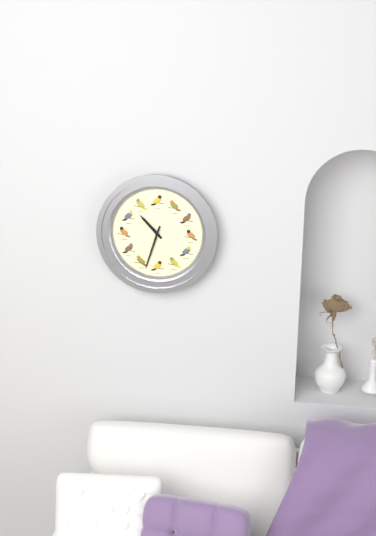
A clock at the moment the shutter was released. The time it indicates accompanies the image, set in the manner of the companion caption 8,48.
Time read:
10,33
